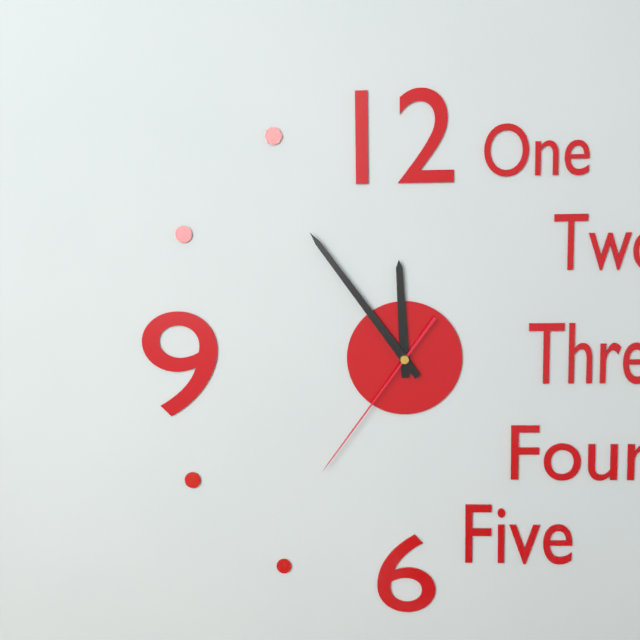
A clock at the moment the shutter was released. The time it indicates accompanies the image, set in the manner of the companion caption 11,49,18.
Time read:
11,54,36
